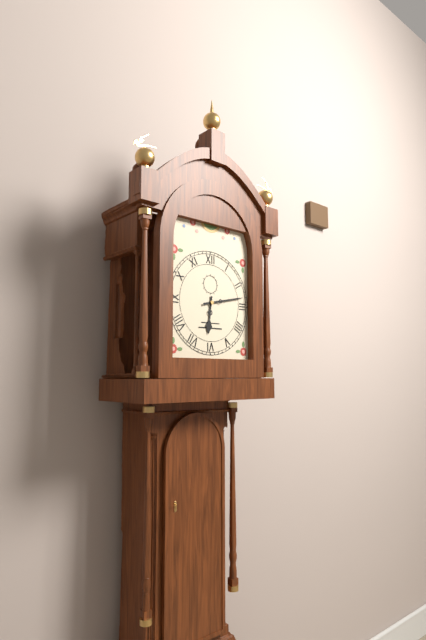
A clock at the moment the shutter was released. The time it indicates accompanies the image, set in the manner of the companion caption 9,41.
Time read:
6,13
